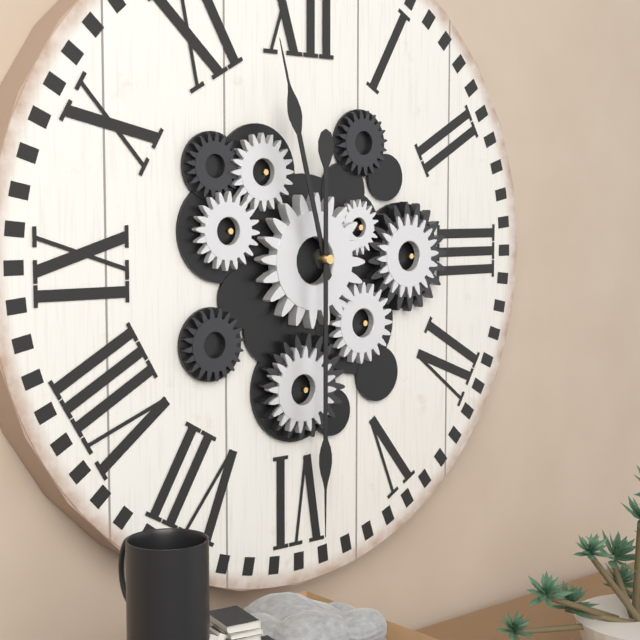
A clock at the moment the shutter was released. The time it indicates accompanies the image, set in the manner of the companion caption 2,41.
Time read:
11,30
